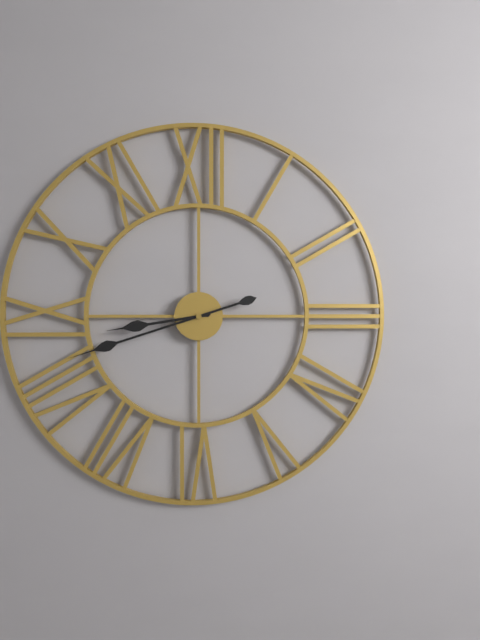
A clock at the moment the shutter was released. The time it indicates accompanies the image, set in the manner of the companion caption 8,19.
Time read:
8,42
